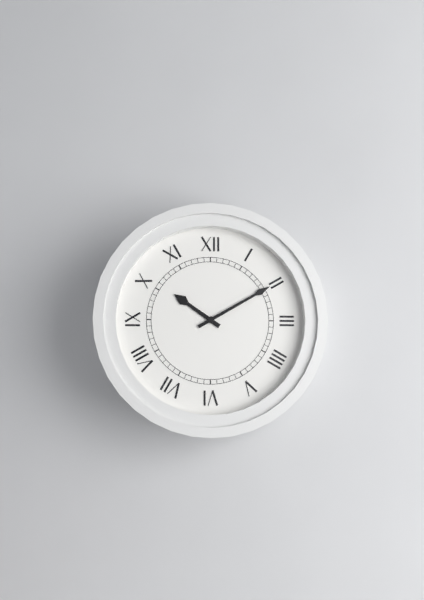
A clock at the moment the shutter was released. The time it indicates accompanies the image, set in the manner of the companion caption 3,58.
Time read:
10,10
